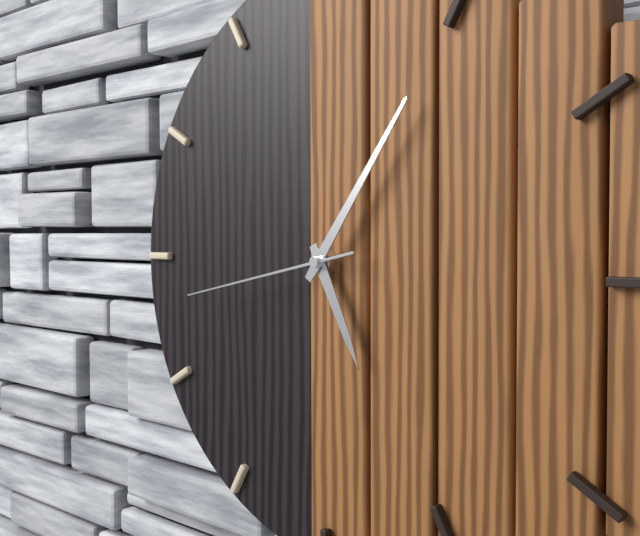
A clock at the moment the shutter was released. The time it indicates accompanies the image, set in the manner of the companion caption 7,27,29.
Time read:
5,06,43
